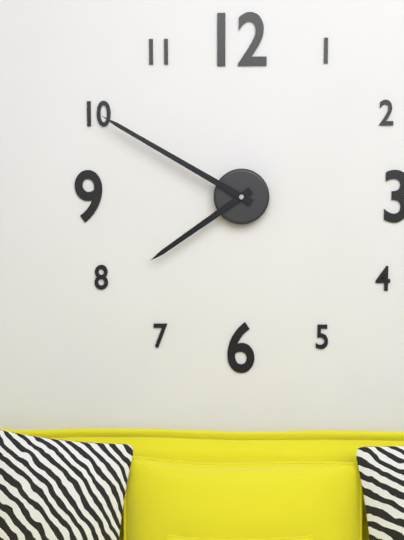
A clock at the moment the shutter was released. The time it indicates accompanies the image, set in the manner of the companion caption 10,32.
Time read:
7,50
